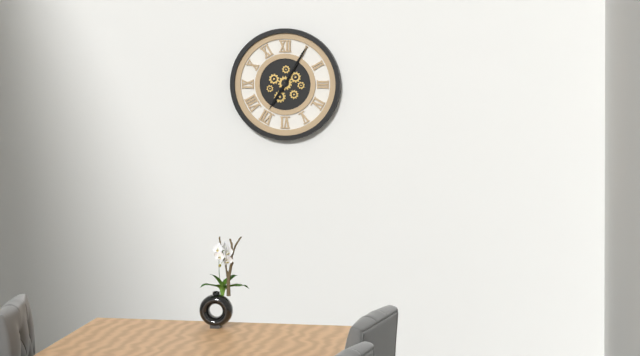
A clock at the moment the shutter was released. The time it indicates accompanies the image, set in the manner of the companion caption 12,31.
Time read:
7,05
